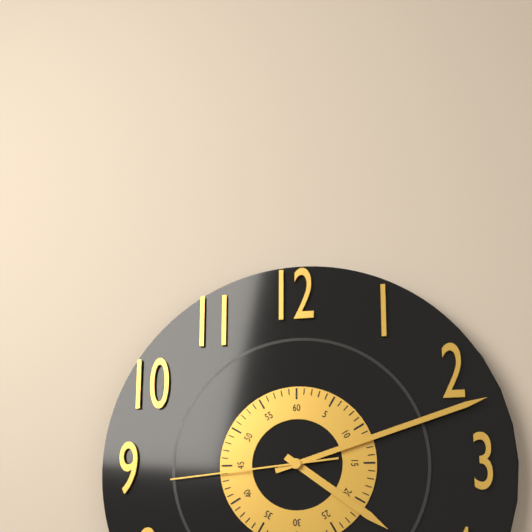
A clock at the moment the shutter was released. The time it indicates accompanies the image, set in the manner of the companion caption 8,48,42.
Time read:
4,12,44
